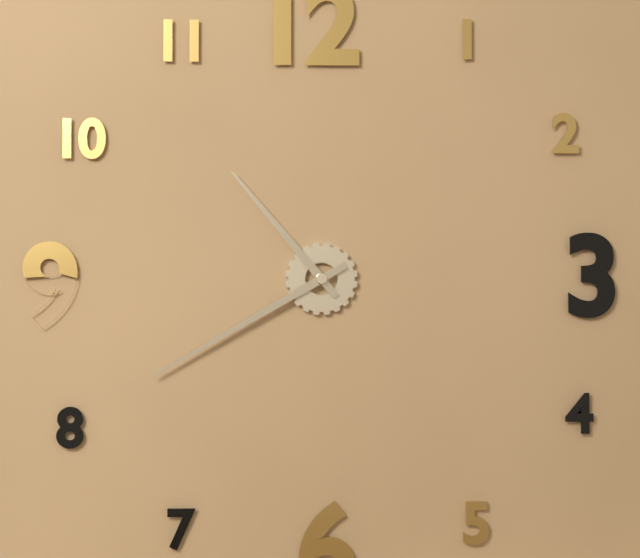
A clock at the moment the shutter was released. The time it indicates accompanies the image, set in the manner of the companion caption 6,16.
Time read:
10,40
